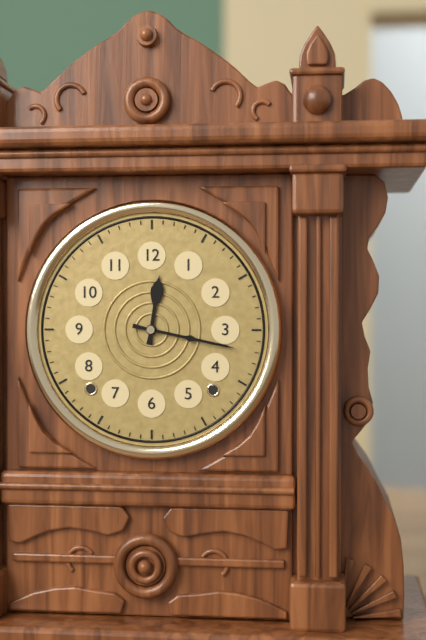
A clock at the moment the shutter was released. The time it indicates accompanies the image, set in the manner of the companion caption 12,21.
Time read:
12,17
